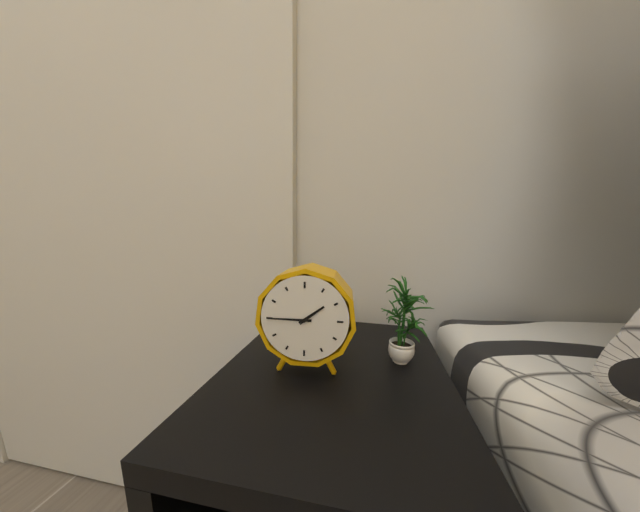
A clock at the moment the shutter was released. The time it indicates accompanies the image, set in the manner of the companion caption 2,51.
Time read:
1,45
